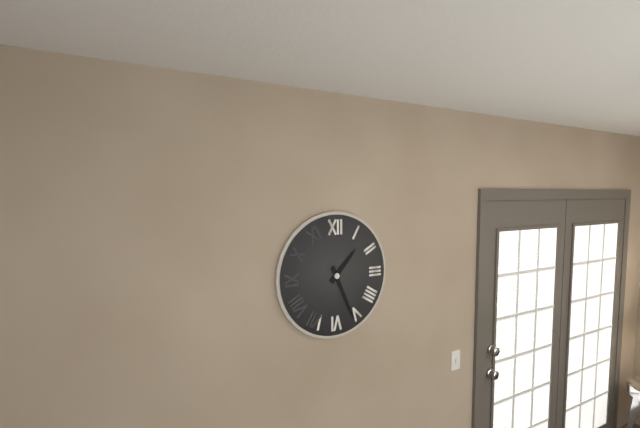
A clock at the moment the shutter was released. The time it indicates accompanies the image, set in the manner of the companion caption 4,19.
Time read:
1,26
